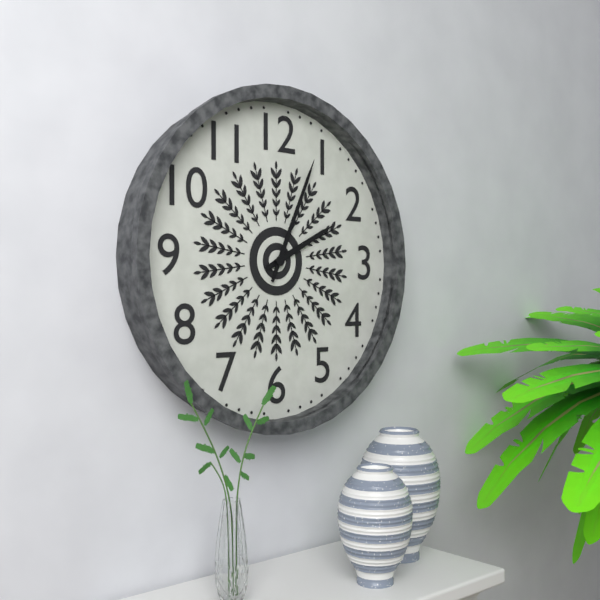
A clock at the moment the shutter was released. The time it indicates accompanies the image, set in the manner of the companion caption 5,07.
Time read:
2,04
